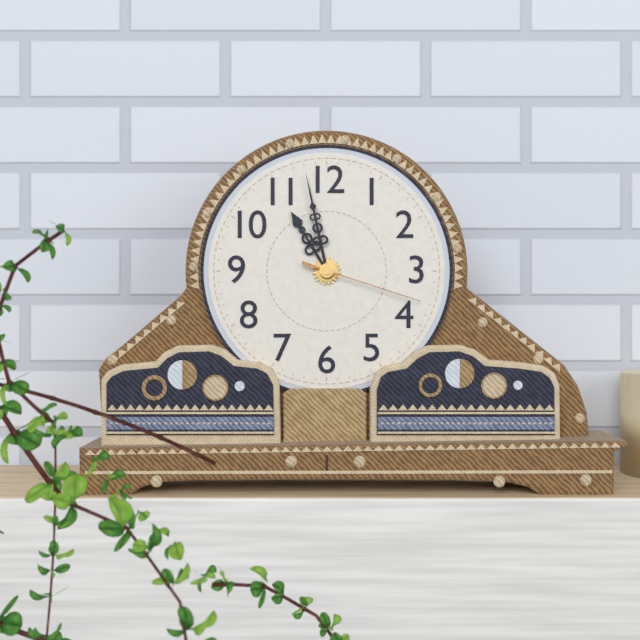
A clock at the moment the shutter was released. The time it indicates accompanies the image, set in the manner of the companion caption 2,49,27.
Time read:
10,58,18
